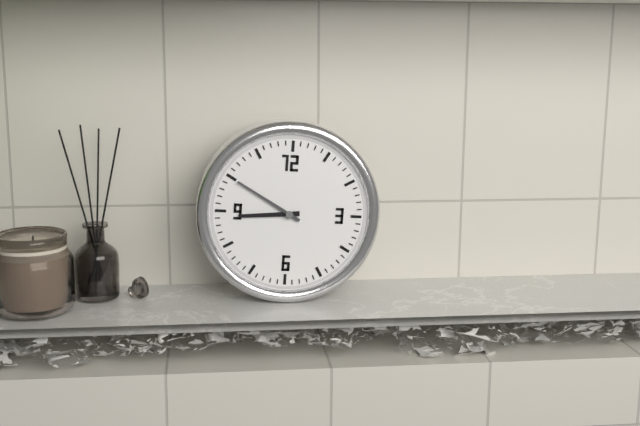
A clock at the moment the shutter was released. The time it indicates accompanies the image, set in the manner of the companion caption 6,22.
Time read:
8,50
